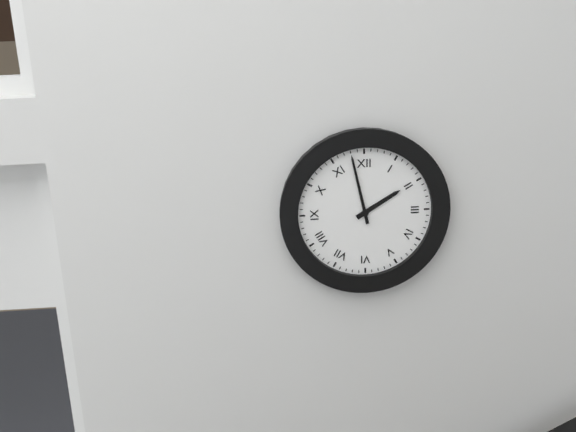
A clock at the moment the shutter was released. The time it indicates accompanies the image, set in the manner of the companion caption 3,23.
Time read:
1,58
